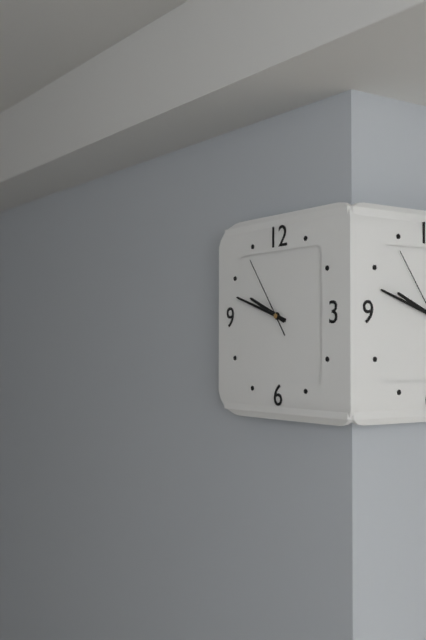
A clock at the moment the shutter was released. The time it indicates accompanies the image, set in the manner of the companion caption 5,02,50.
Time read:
9,48,54
